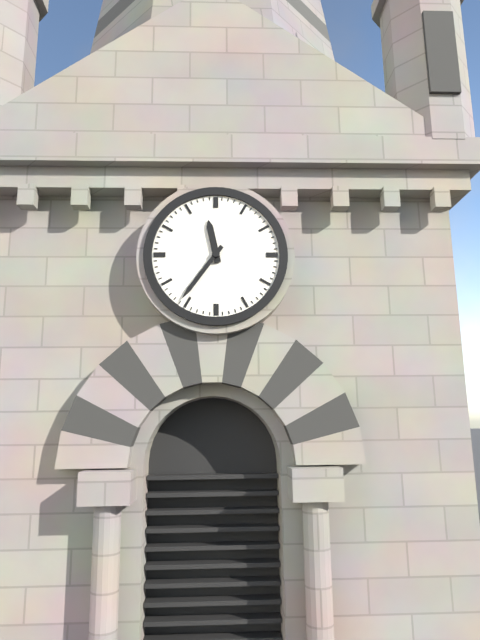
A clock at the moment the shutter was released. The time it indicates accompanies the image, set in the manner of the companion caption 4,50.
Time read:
11,36
